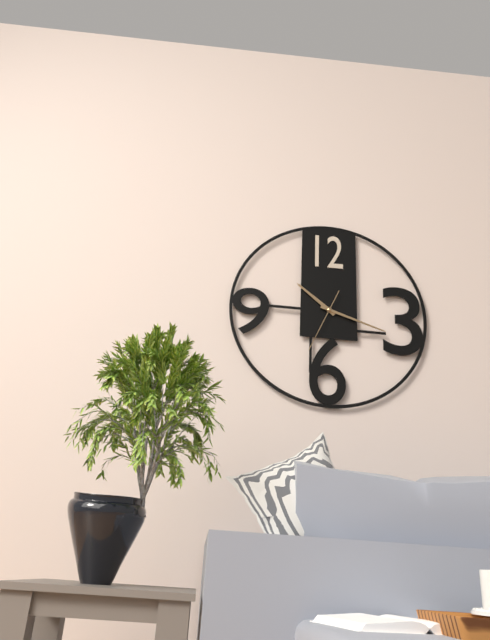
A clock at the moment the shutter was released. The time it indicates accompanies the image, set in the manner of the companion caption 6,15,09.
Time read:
10,18,34
